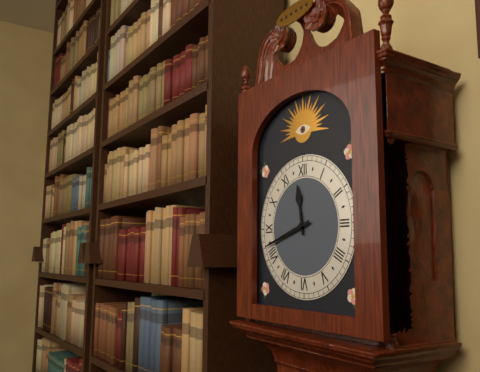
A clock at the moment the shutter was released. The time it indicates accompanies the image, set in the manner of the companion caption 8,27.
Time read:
11,42
